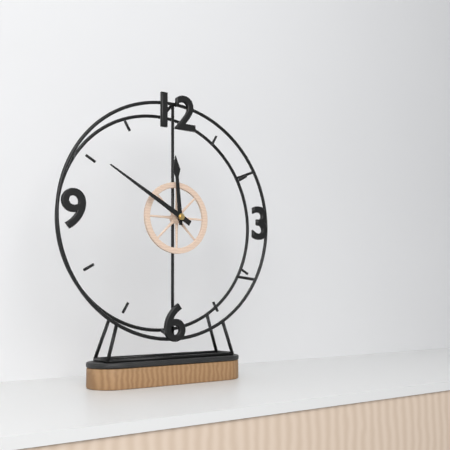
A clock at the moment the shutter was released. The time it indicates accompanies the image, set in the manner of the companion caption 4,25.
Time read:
11,50
